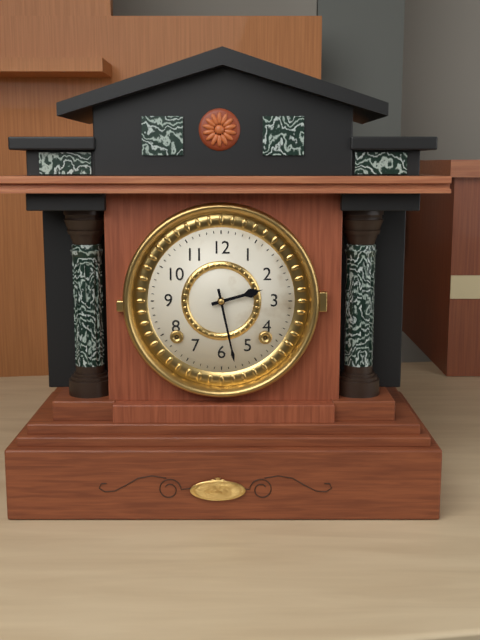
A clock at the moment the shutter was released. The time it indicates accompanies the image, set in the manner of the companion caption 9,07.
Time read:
2,28
